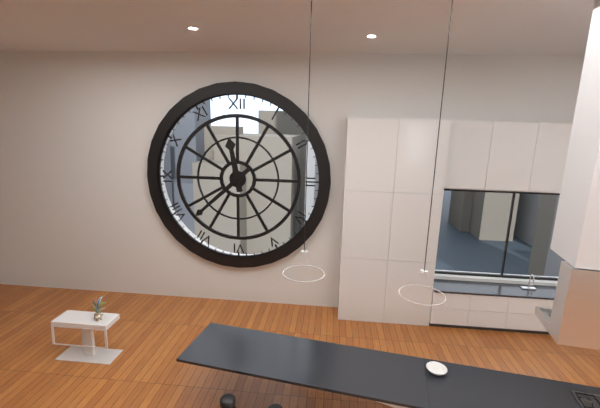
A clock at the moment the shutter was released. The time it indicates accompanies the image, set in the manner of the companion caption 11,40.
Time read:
11,38
